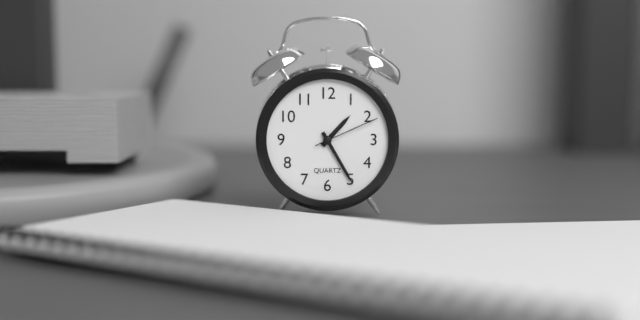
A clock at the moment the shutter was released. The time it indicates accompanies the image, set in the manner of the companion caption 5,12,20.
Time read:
1,25,11
